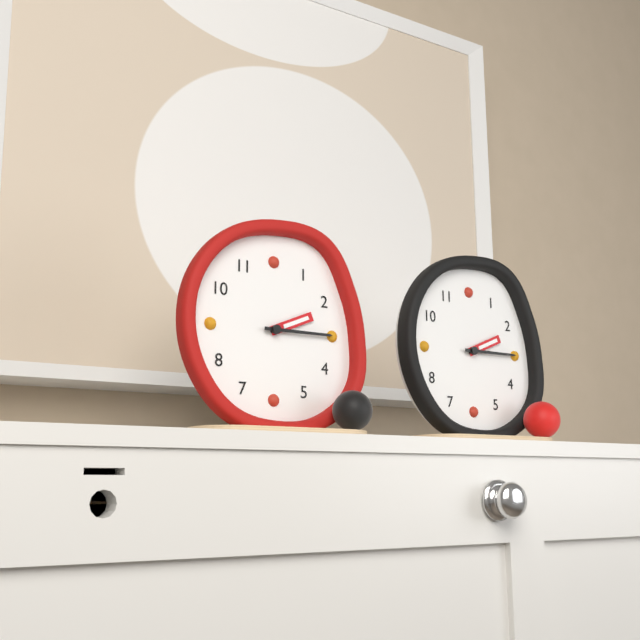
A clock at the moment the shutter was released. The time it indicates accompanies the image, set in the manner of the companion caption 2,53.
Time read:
2,15
